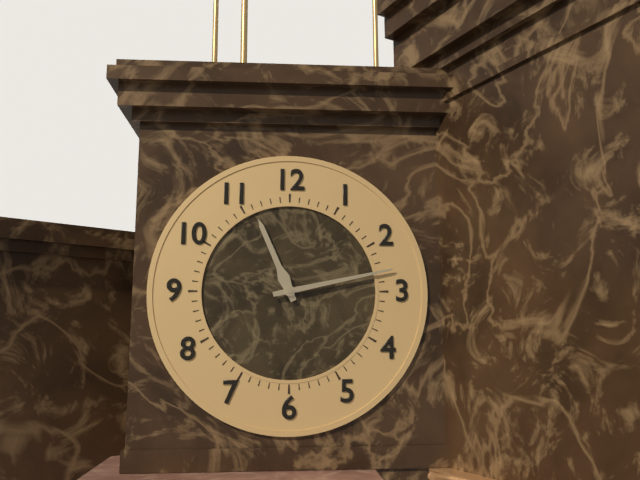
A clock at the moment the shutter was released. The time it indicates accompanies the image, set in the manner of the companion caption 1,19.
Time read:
11,13
